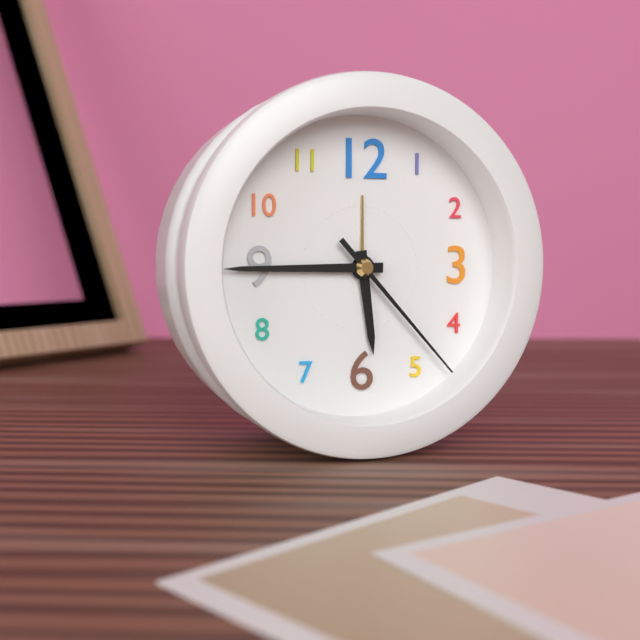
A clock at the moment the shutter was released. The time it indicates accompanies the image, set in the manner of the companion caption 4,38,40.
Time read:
5,45,23
